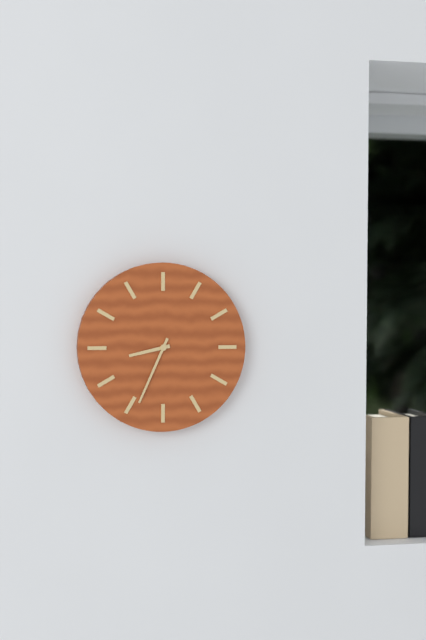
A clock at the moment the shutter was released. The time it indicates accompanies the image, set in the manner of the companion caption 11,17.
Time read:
8,34
